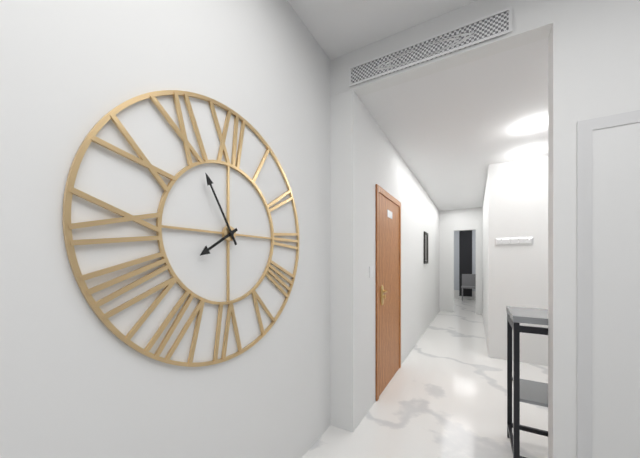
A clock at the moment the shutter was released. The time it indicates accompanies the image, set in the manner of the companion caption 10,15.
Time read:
7,55
